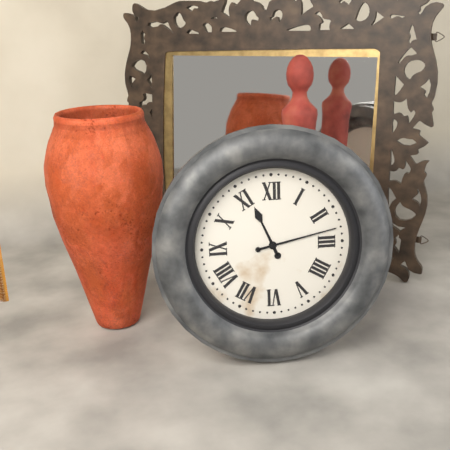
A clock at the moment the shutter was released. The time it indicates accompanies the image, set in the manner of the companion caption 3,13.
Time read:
11,13
